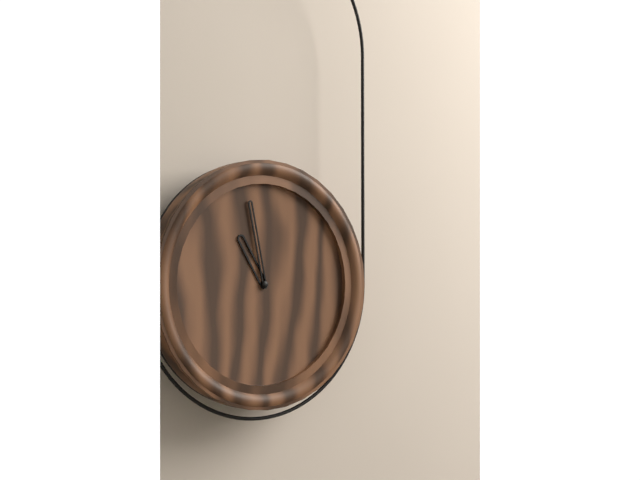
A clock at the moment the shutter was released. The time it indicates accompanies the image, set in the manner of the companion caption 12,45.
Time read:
10,58
